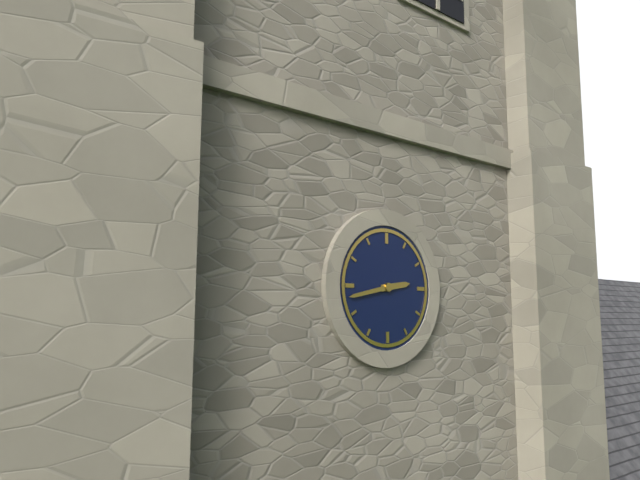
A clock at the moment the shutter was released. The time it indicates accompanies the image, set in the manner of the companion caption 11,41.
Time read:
2,43
